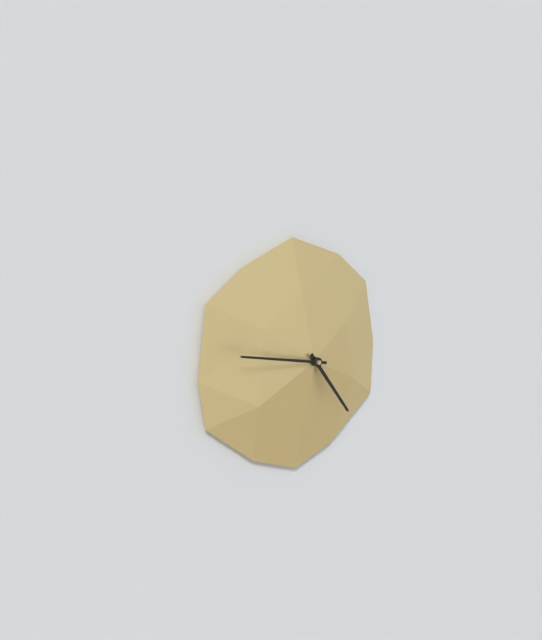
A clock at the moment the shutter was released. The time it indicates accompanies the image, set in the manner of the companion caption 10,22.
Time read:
4,47
